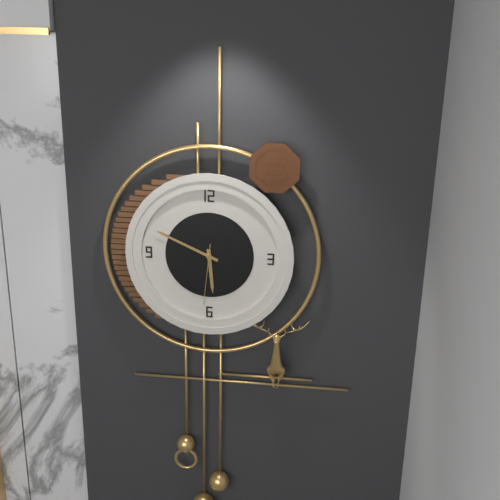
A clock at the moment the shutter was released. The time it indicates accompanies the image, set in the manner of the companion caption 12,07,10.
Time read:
5,49,31
